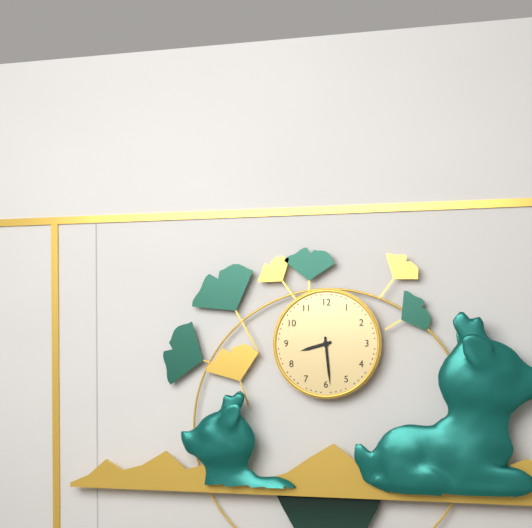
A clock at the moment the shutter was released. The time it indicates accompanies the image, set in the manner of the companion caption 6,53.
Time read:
8,29
